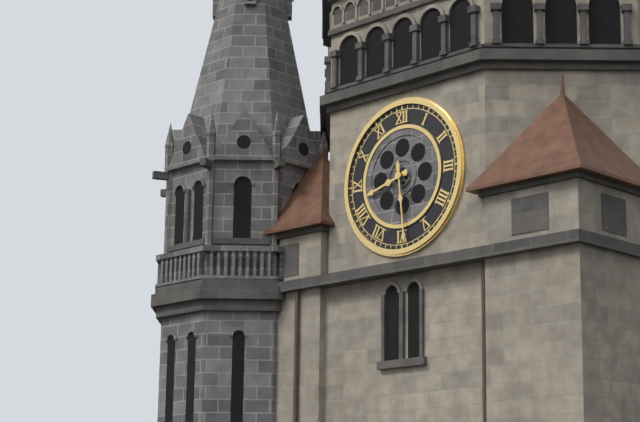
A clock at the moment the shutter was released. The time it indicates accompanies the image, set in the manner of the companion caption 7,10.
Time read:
8,29
